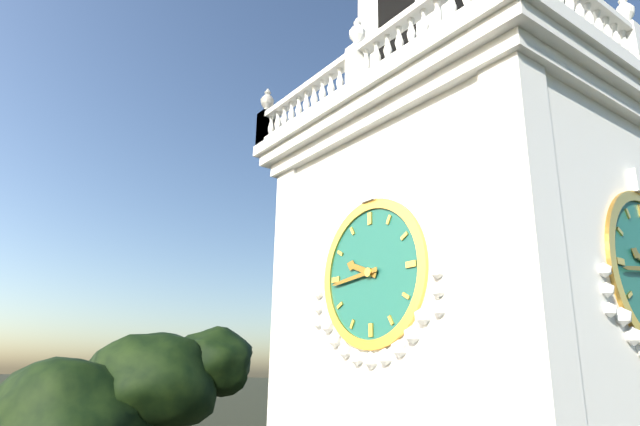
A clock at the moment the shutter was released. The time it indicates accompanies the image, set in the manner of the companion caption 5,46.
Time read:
9,44
